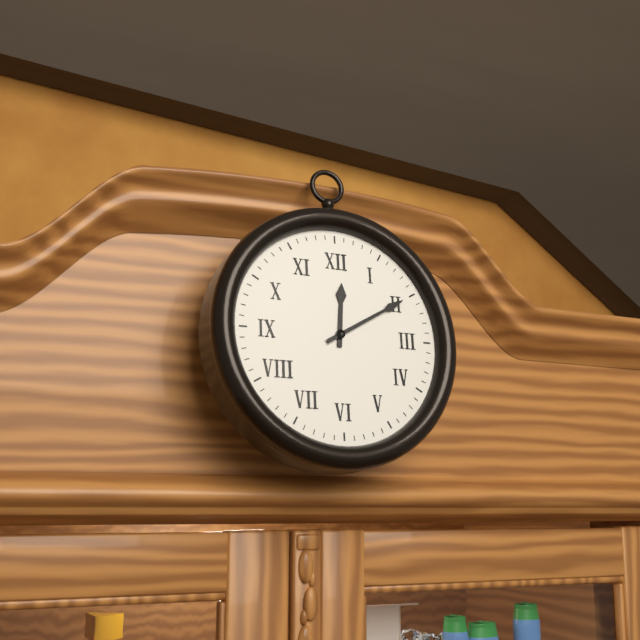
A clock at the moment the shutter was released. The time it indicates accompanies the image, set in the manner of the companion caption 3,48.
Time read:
12,10
